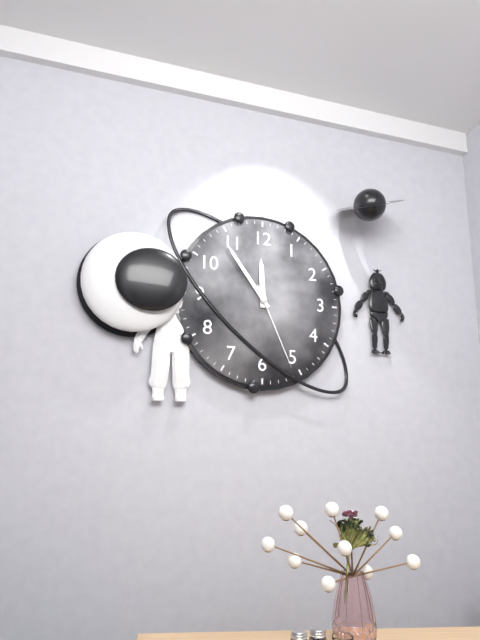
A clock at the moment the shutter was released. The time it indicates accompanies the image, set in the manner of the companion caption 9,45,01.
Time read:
11,54,26
